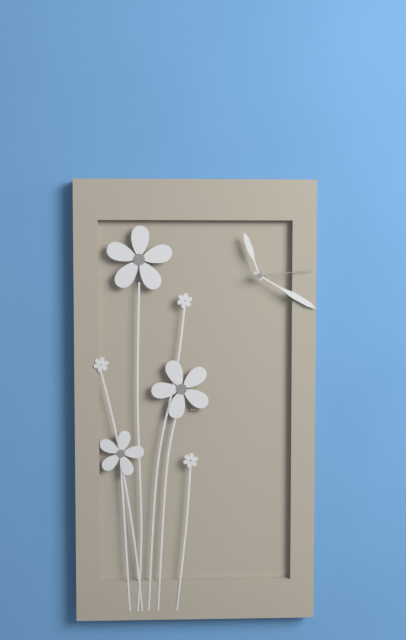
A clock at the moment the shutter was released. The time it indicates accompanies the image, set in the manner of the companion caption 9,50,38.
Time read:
11,20,14
